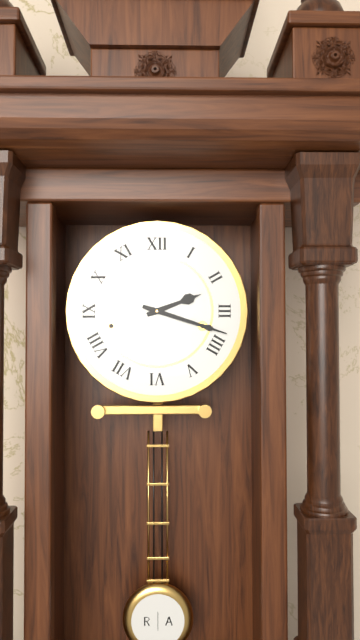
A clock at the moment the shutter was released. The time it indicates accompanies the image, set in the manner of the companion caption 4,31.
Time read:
2,18
